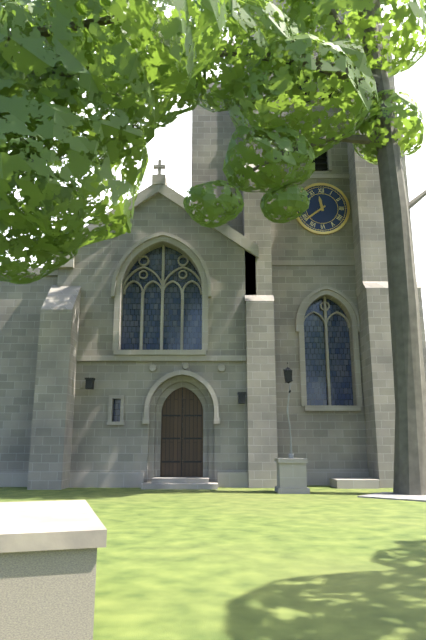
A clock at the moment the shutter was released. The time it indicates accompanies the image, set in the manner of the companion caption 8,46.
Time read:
11,39
